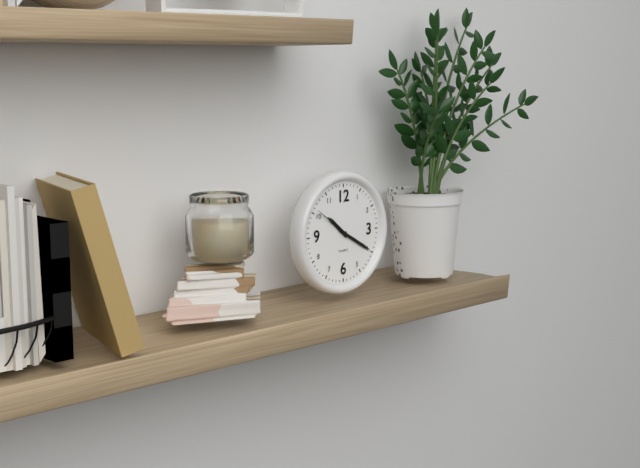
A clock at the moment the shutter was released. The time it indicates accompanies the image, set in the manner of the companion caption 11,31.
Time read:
10,20
